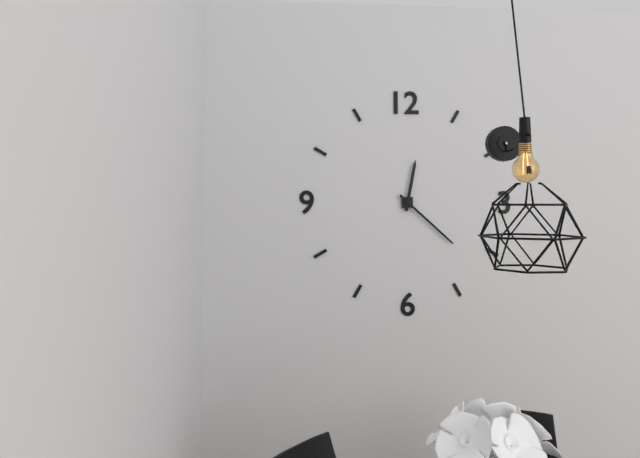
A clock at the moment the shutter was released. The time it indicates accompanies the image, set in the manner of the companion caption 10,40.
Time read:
12,22
